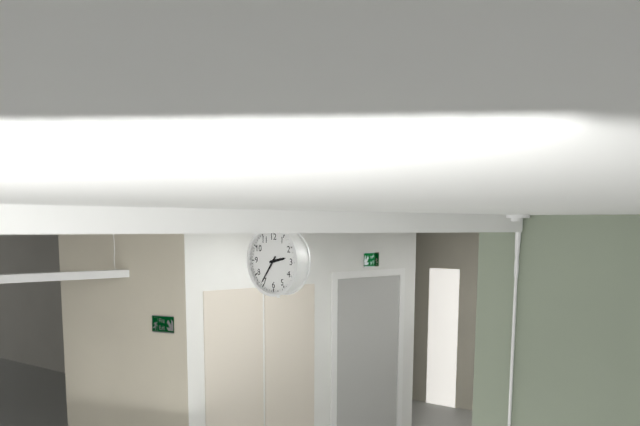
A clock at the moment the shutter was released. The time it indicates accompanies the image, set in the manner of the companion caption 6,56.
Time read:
2,36
